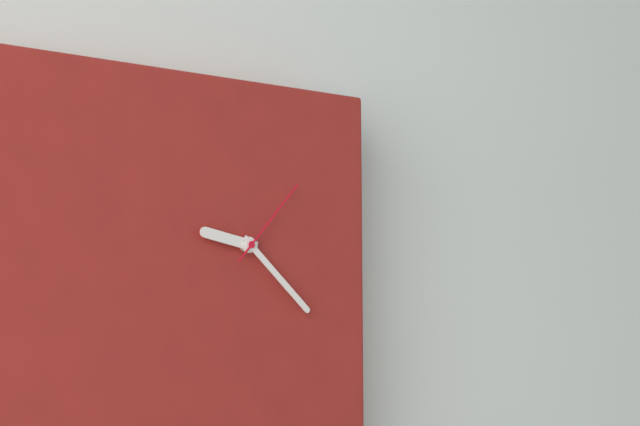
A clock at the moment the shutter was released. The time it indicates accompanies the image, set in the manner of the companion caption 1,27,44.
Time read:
9,22,07
